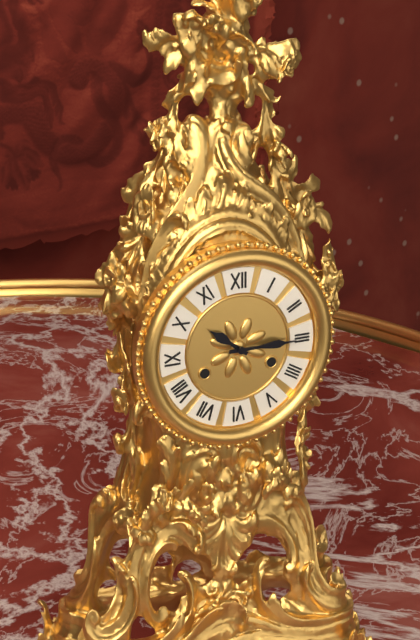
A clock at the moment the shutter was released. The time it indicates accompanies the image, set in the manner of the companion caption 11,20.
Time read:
10,15
